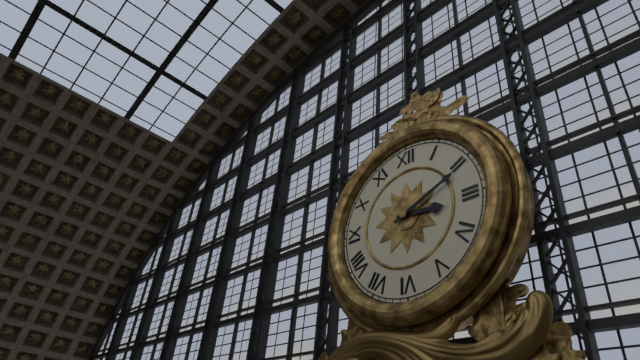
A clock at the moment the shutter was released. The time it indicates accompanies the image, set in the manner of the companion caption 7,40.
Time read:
3,11
